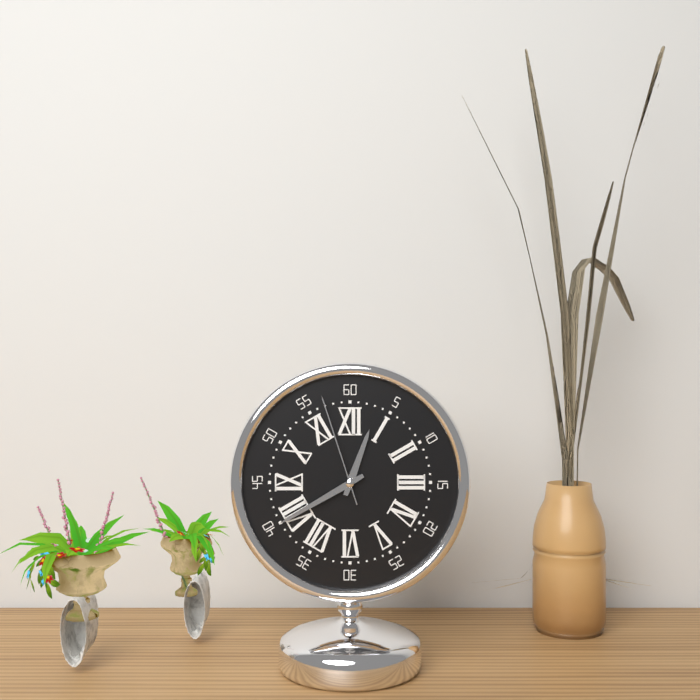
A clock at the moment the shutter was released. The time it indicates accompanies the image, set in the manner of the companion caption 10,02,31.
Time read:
12,40,57
